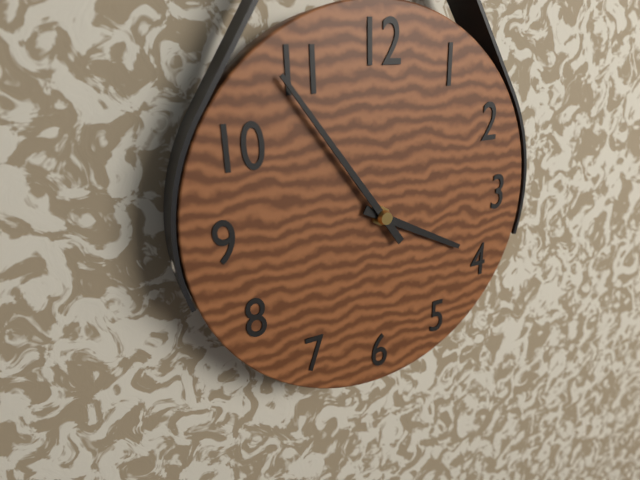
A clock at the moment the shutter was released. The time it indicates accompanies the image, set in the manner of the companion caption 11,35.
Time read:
3,54
